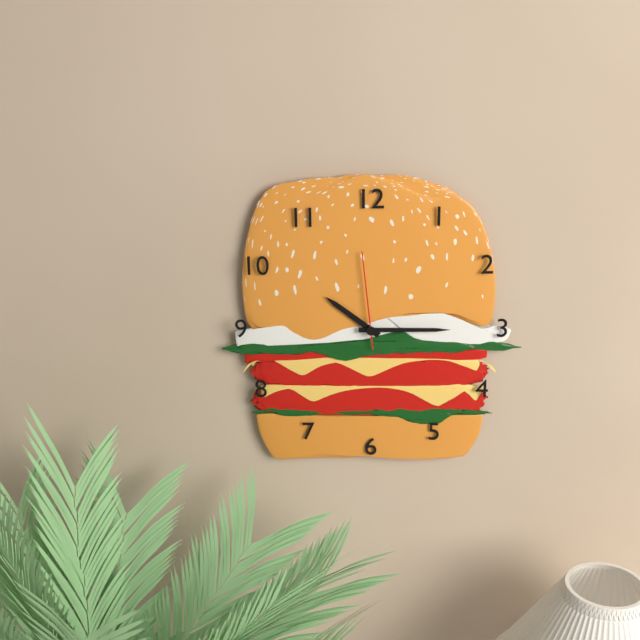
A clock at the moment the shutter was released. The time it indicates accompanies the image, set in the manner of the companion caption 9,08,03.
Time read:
10,15,59
